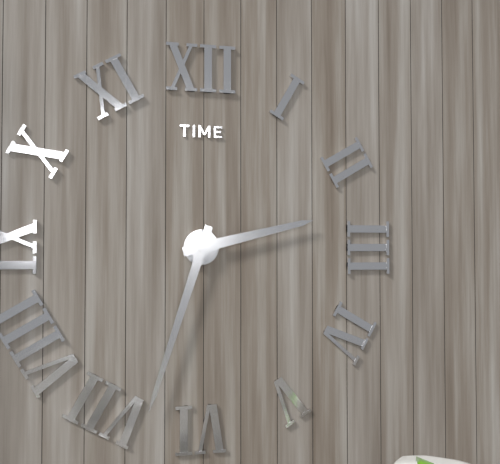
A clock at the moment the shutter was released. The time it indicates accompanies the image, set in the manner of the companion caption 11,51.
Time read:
2,33
